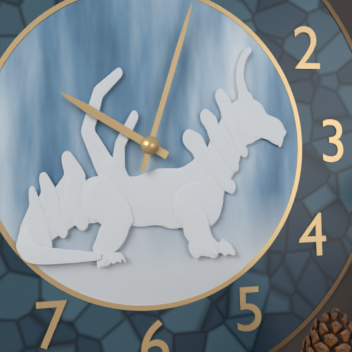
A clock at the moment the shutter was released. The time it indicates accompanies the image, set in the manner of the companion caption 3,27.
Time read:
10,03
